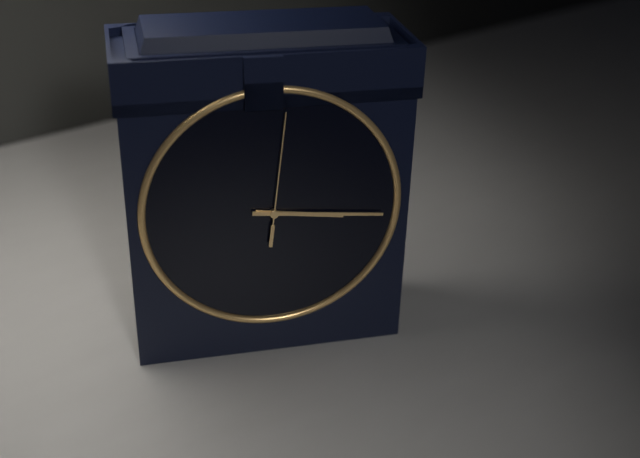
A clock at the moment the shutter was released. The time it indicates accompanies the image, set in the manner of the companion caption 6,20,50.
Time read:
3,16,01
